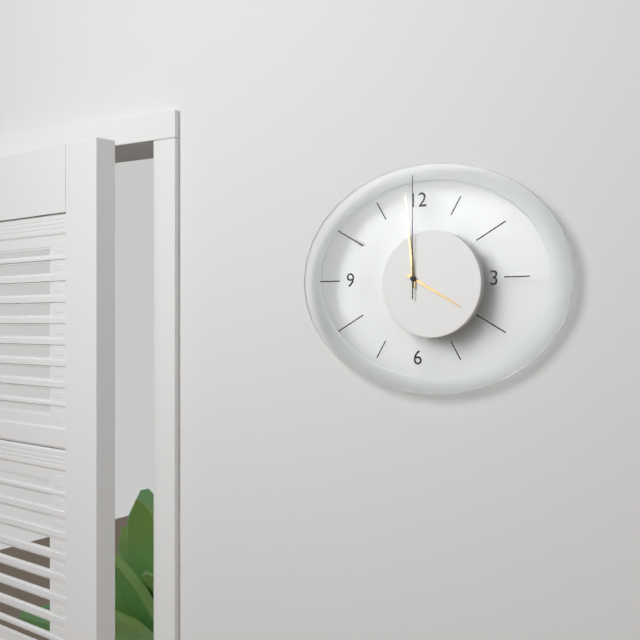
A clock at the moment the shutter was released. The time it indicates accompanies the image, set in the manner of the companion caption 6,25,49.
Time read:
3,59,00
